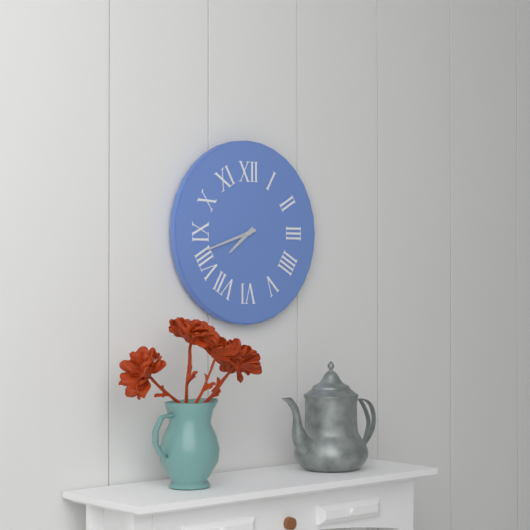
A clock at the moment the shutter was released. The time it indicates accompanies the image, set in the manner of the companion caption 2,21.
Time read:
7,42
